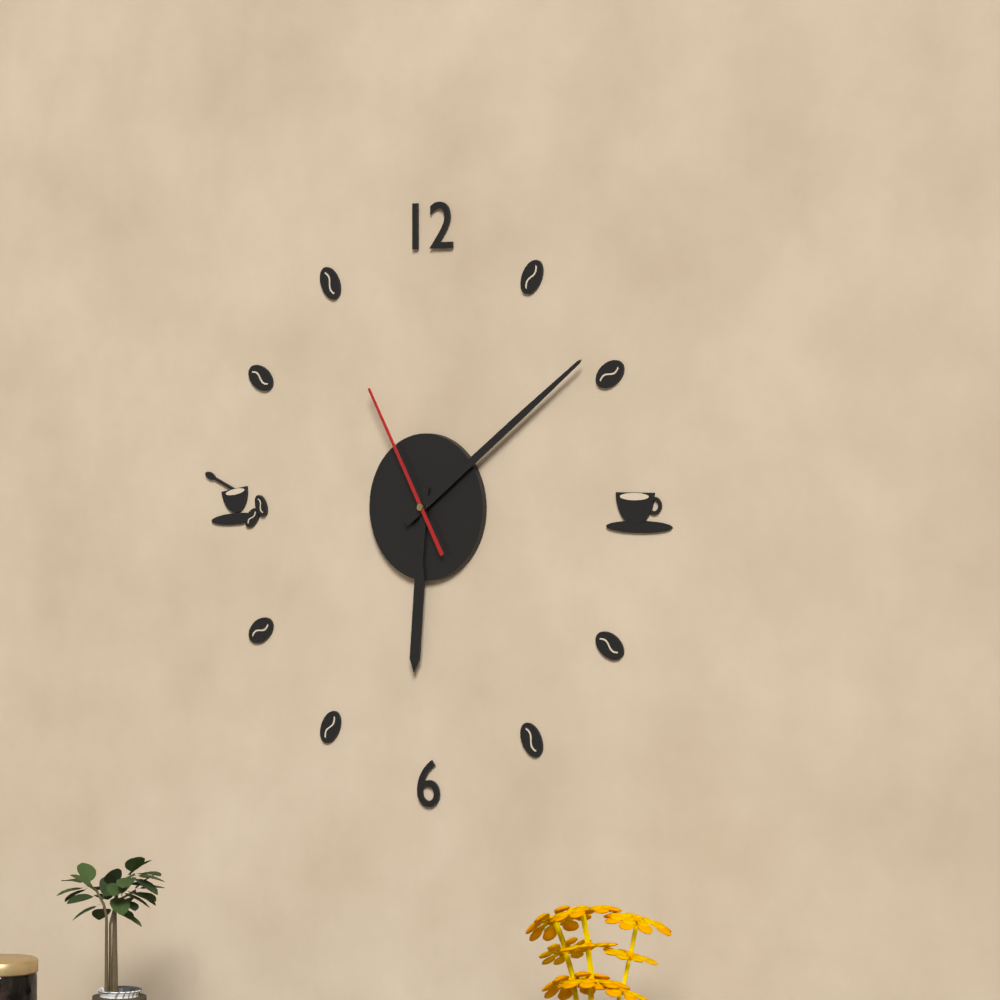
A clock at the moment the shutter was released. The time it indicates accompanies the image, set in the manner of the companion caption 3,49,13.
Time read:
6,09,55
